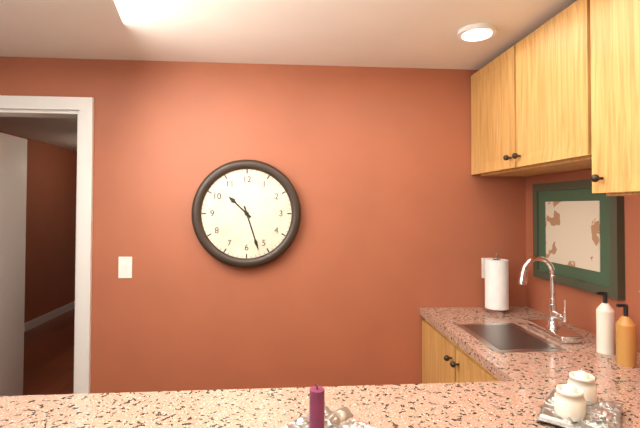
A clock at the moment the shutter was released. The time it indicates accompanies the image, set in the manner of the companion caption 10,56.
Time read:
10,27
